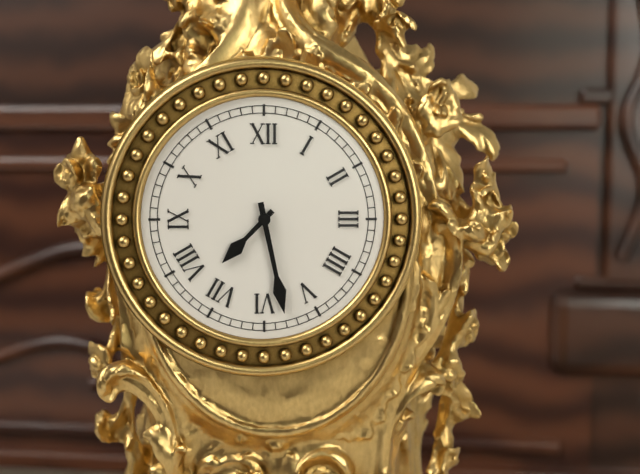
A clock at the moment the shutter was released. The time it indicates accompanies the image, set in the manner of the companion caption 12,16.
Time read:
7,28
